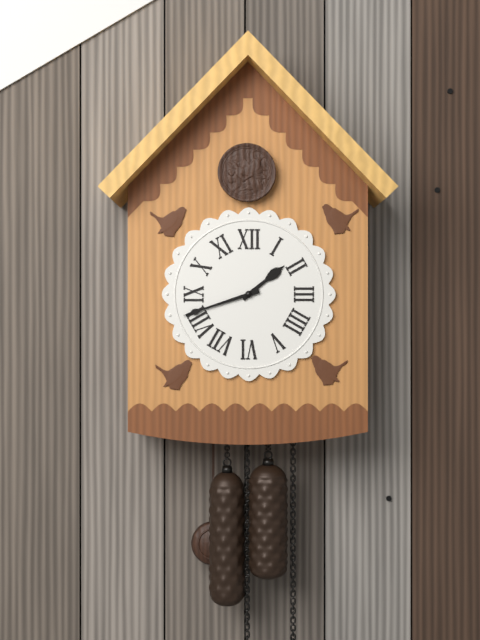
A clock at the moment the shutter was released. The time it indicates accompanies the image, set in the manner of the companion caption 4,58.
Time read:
1,42
